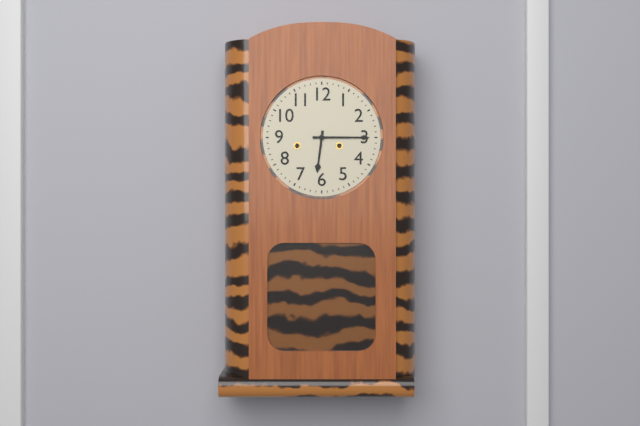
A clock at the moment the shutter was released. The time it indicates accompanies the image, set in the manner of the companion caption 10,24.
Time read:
6,15
